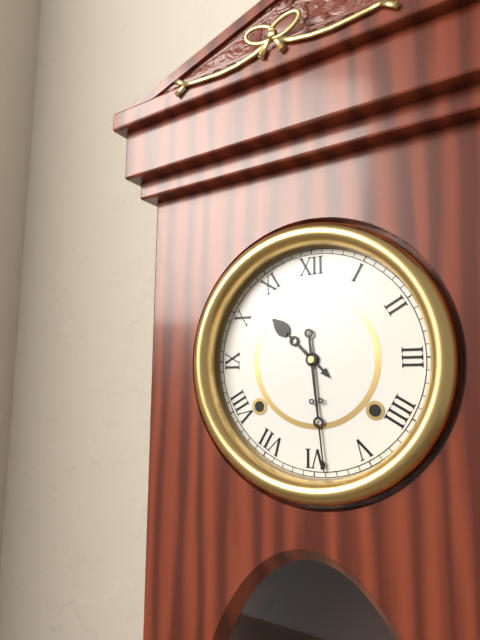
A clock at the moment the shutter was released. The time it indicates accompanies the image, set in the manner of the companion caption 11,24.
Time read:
10,29
